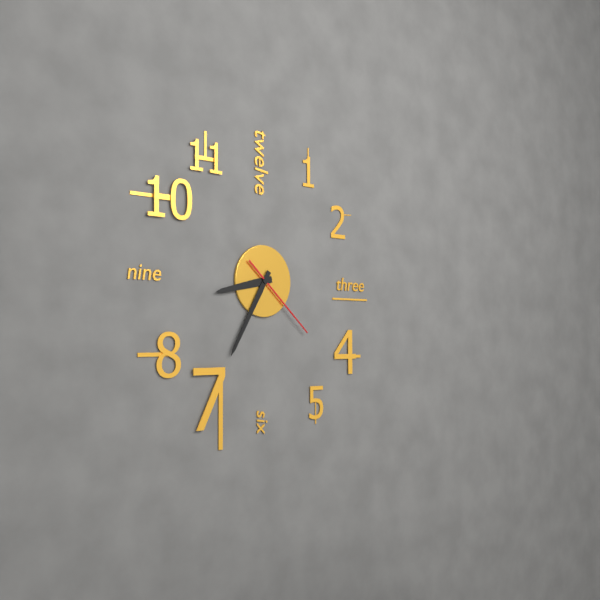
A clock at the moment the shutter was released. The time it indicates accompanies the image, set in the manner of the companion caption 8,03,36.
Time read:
8,35,22
